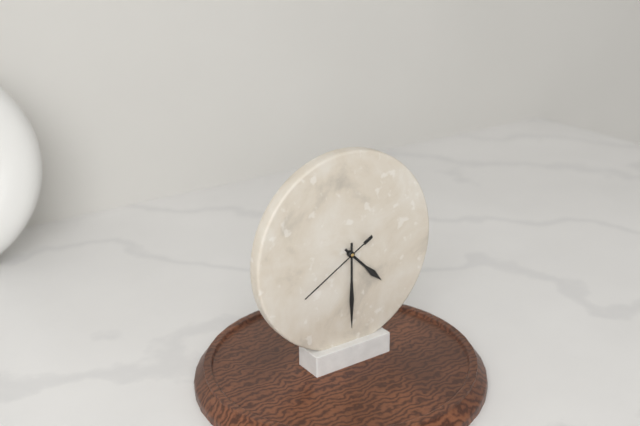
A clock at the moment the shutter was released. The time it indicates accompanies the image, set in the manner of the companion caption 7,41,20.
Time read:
4,30,40
